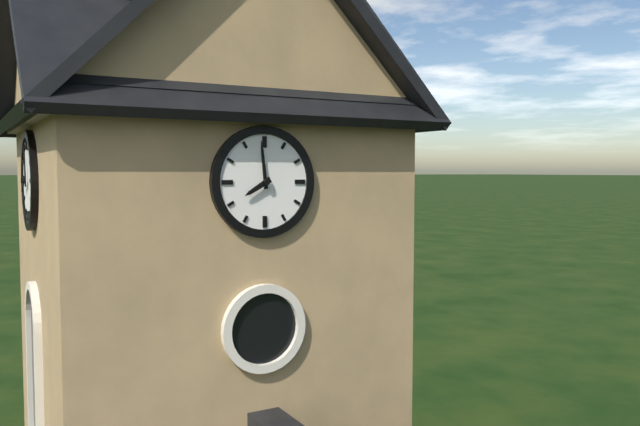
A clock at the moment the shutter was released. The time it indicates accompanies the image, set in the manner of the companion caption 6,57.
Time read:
7,59
